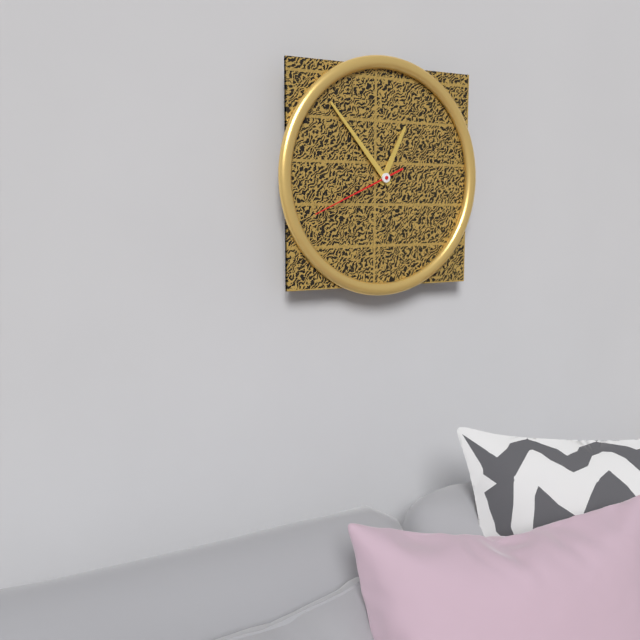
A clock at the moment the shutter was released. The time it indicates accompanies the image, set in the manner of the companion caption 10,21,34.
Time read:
12,53,41
